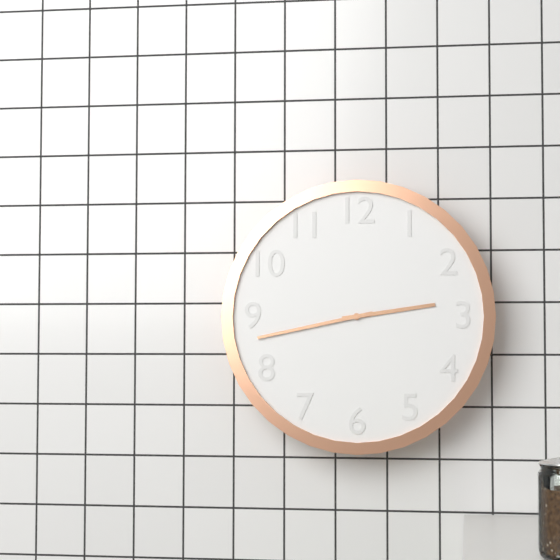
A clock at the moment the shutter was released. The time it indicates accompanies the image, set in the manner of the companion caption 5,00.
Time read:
2,43
